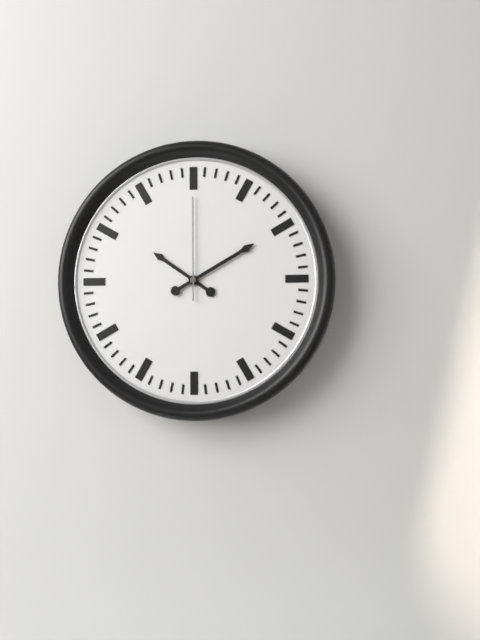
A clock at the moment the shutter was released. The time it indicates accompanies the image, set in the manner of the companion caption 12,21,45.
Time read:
10,10,00
